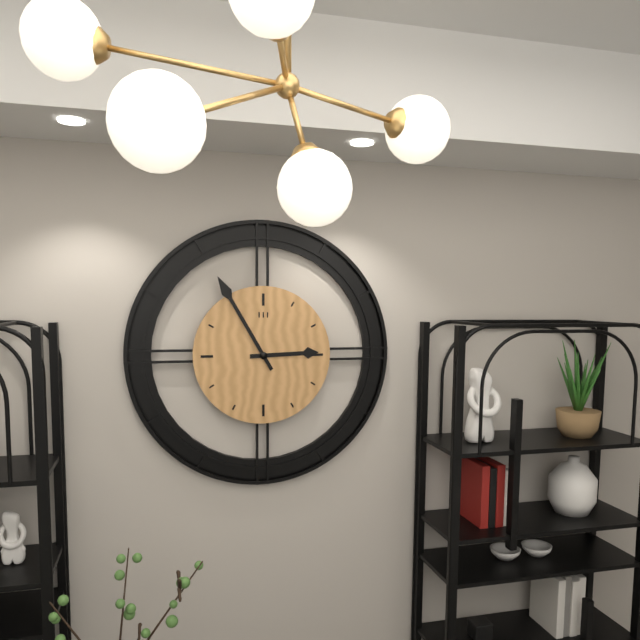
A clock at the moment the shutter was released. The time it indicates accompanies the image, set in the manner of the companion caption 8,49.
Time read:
2,55
